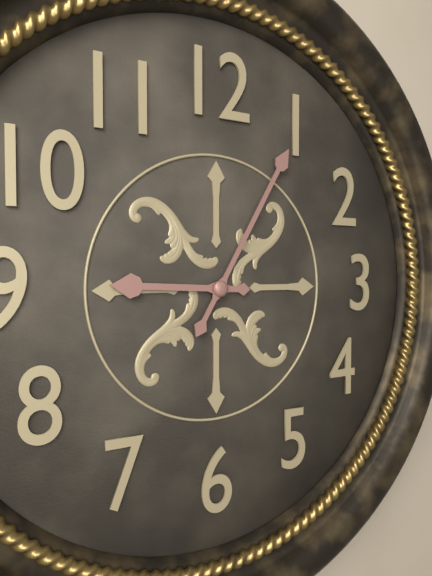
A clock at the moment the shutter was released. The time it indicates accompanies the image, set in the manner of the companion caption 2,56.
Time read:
9,05
